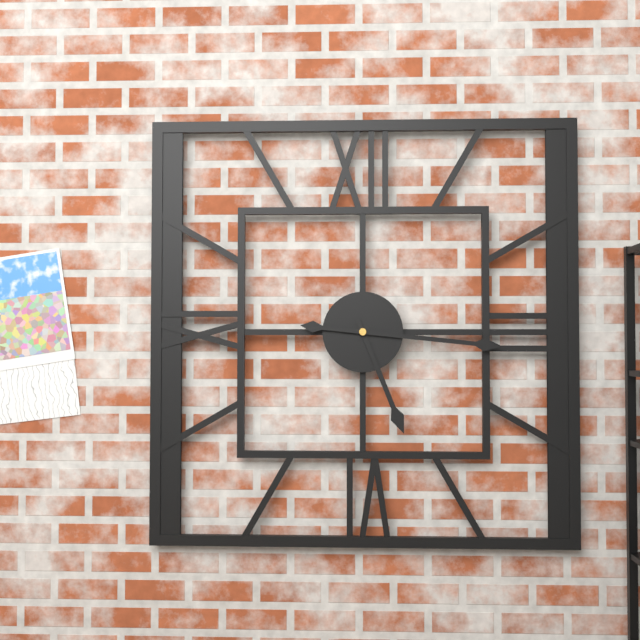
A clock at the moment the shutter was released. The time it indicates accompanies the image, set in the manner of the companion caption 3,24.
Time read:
5,16
